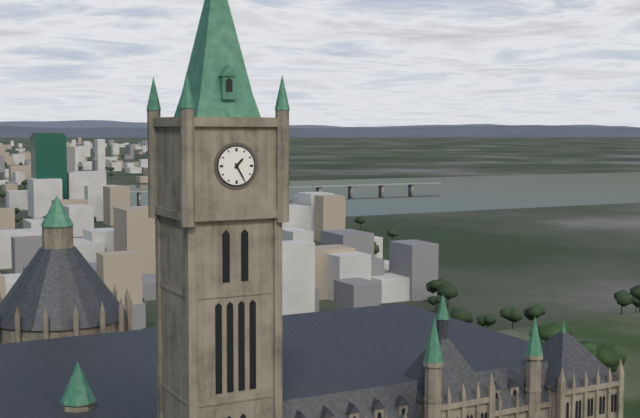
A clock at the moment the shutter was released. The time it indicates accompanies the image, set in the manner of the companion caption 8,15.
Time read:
1,25
